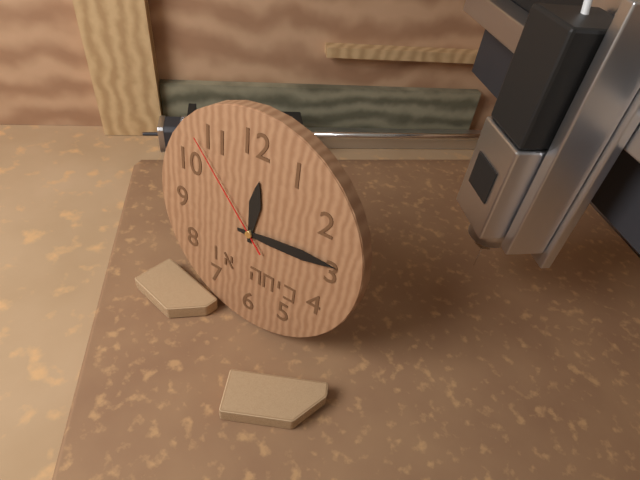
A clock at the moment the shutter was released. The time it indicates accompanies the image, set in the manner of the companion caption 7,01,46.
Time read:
12,14,53
